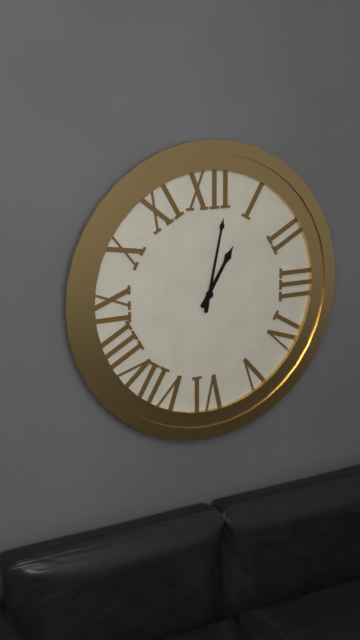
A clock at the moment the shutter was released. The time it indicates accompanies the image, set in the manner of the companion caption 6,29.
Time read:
1,02
